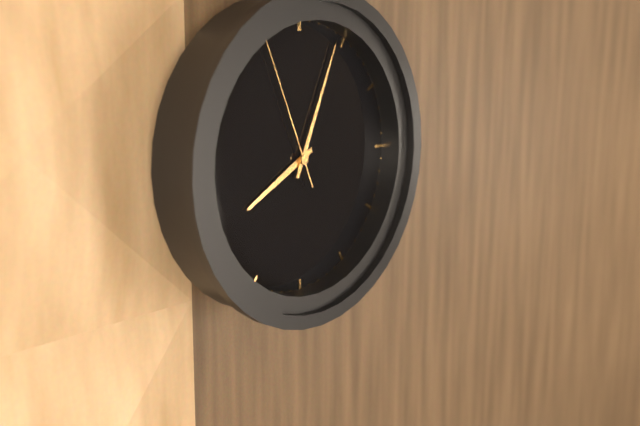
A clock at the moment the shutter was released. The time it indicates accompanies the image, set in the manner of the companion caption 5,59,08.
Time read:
8,04,56
